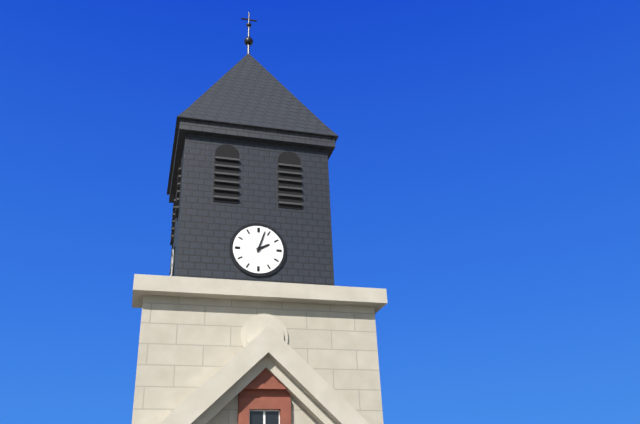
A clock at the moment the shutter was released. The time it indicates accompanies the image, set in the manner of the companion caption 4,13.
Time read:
2,03
